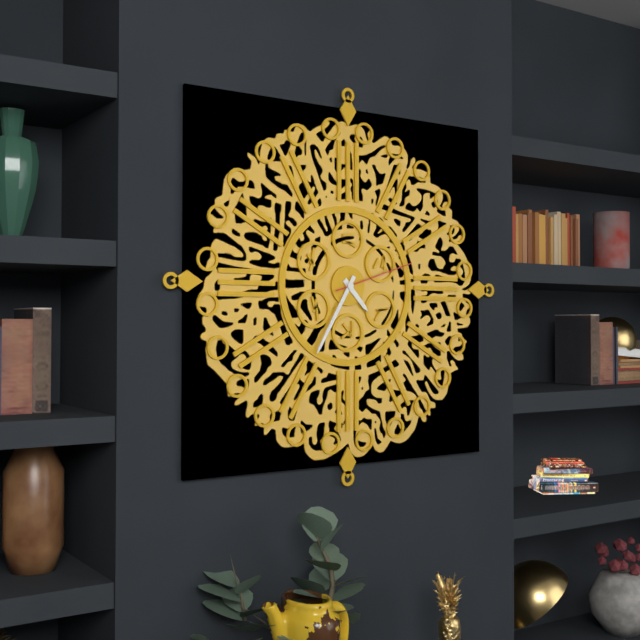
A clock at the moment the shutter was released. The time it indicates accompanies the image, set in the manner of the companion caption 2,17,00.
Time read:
4,35,12
